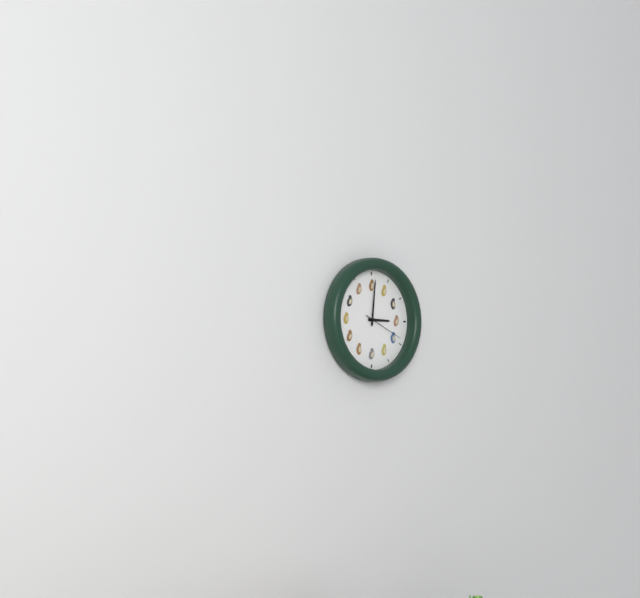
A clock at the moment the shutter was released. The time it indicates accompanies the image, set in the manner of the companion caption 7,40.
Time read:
3,01
